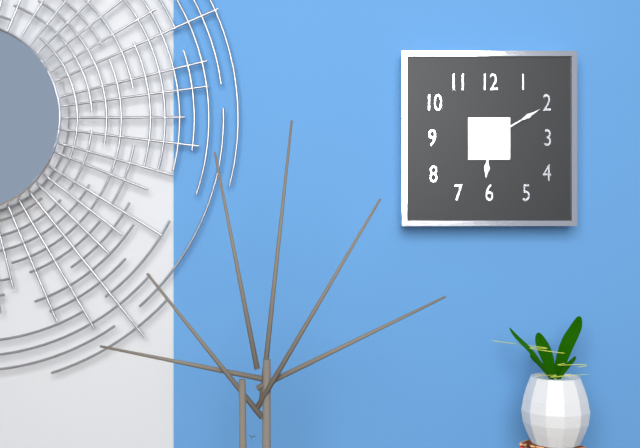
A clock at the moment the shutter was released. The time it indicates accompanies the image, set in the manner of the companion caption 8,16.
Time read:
6,10
